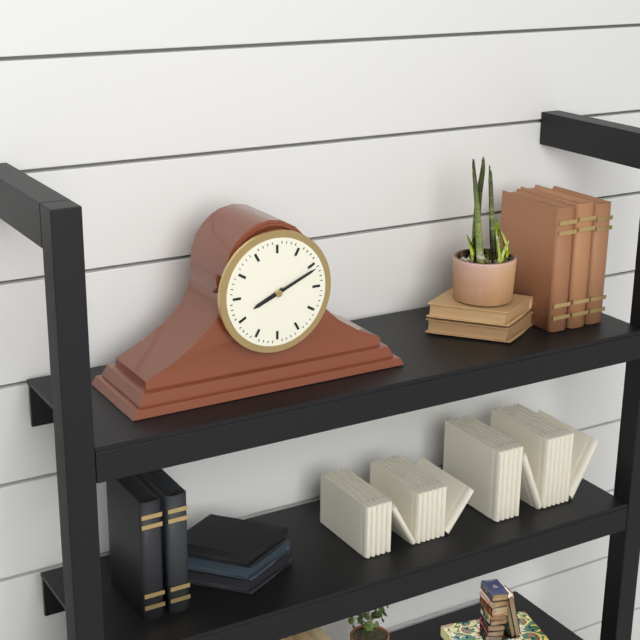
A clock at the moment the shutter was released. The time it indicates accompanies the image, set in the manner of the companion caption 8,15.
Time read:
8,11
